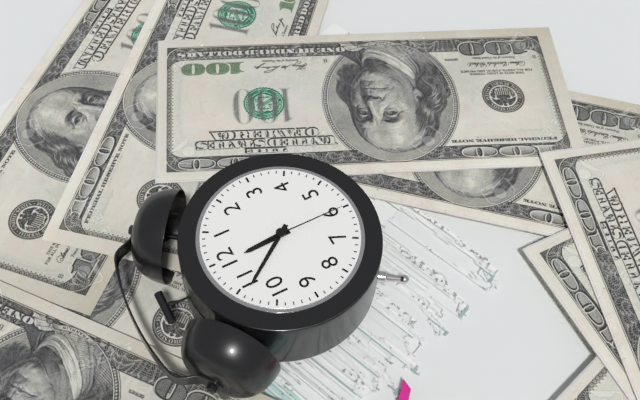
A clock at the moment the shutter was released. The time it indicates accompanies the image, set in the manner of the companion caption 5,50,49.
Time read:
11,54,30
